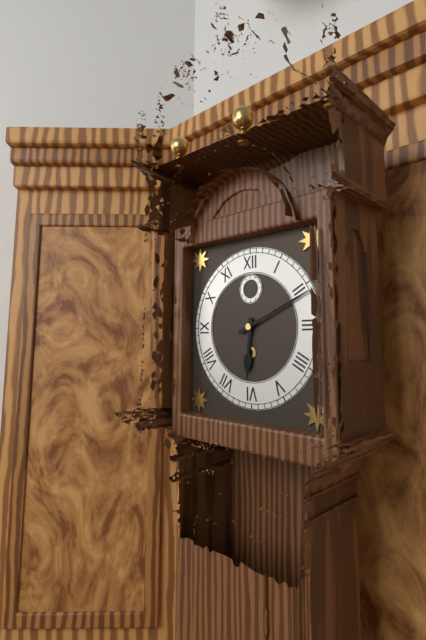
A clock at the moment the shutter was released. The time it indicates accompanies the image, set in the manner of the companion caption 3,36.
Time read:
6,11
